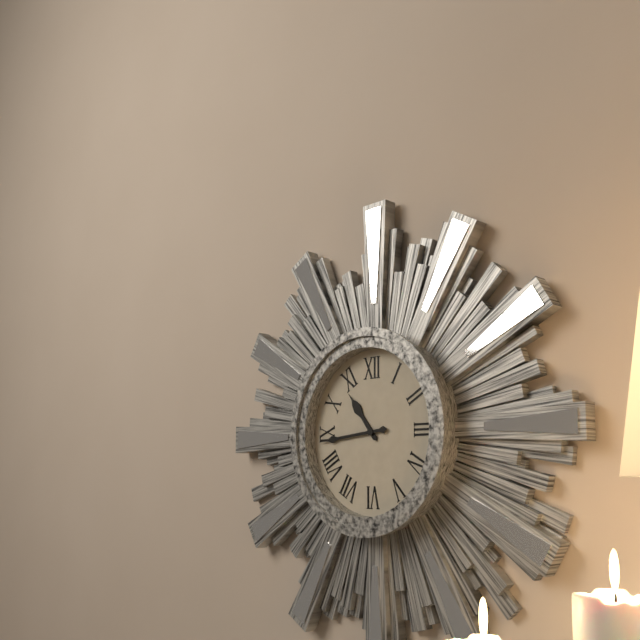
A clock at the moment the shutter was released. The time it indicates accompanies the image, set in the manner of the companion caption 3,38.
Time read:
10,44
